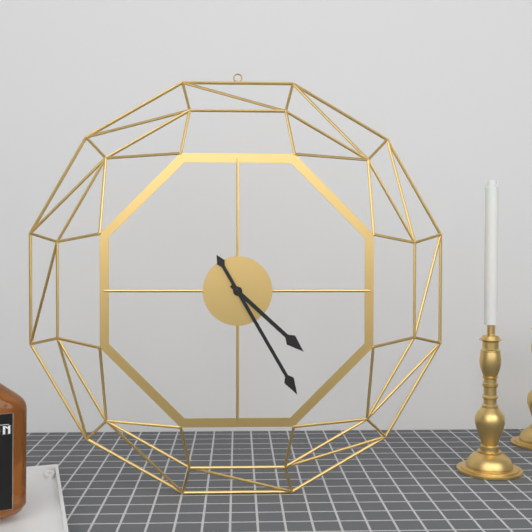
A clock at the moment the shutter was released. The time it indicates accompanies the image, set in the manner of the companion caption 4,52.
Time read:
4,25
